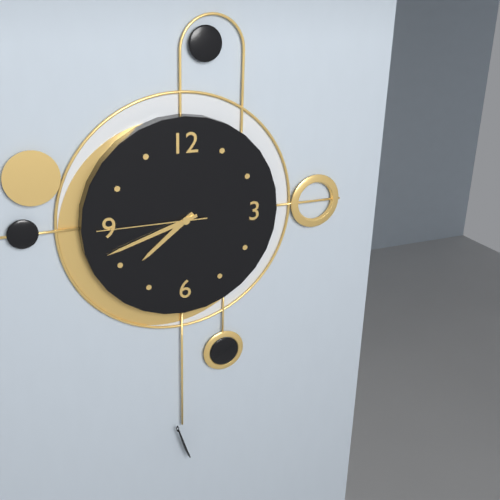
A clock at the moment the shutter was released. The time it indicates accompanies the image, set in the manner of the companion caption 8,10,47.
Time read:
7,42,45
